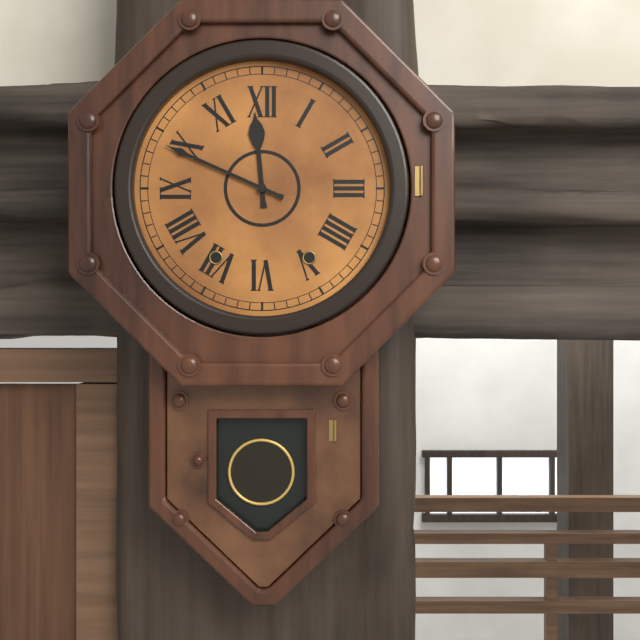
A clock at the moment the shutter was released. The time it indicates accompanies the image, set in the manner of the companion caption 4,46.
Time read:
11,49
